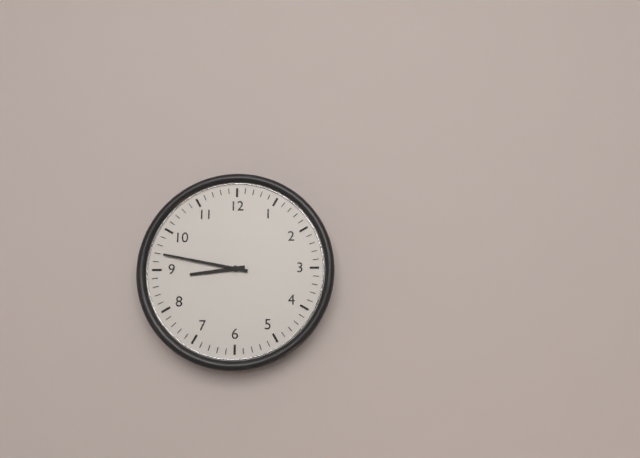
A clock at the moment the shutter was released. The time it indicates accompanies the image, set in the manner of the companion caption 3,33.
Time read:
8,47
